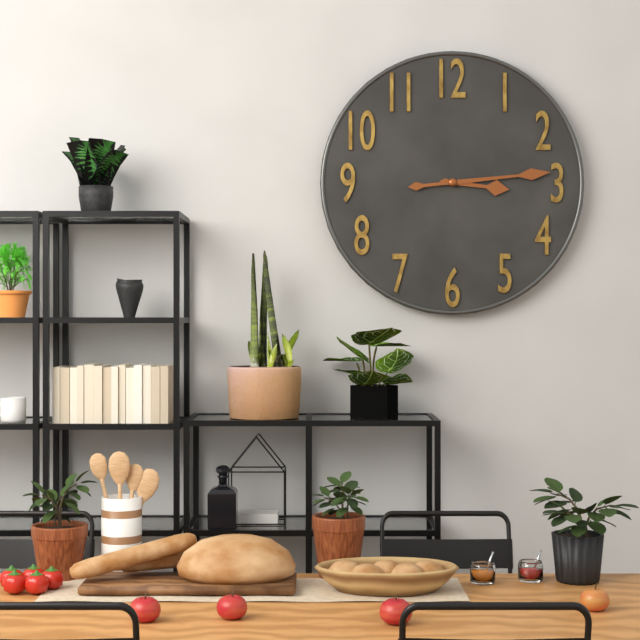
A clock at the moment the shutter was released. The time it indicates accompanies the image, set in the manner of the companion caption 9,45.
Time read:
3,14
